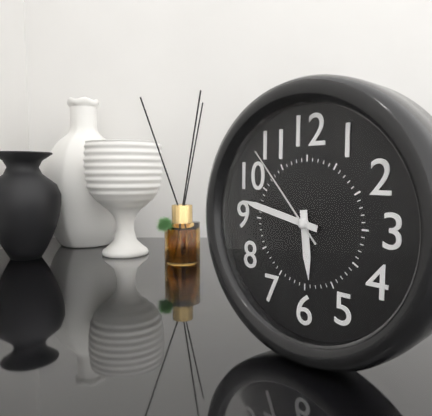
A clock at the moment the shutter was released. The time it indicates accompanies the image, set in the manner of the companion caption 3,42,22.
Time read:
5,47,53
